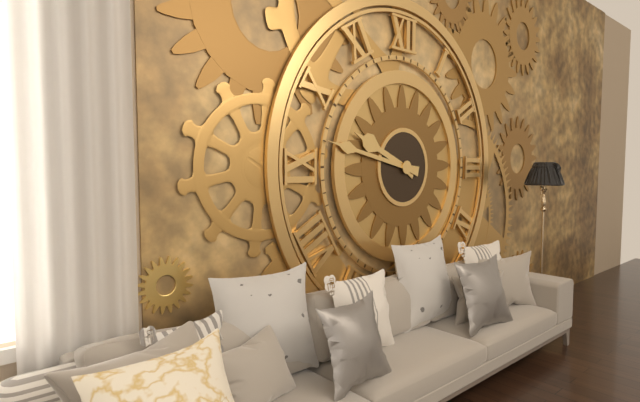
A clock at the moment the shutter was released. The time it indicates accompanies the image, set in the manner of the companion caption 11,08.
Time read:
9,47
